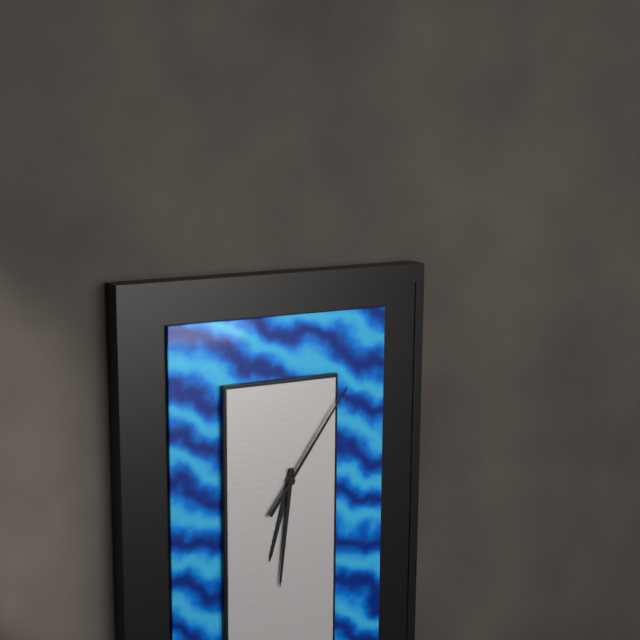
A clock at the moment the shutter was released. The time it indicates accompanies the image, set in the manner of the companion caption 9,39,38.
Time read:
6,31,06
